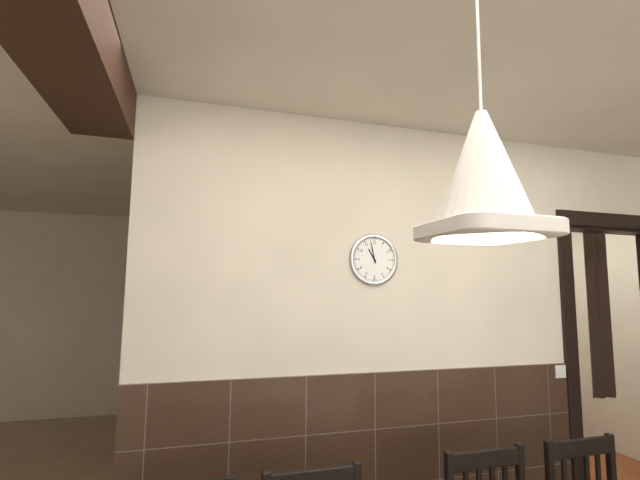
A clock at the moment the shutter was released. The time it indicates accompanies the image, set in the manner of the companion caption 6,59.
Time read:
10,58
